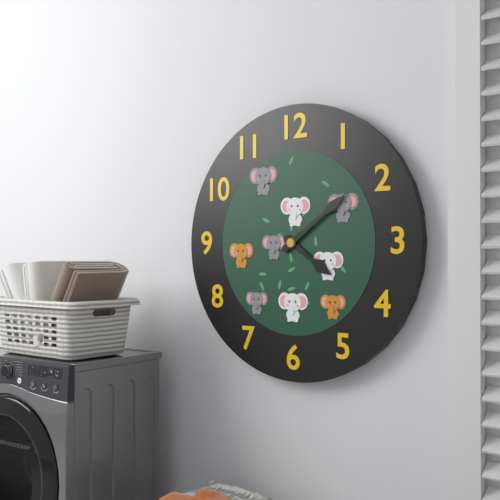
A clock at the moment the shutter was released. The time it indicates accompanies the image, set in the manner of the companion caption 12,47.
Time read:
4,09
